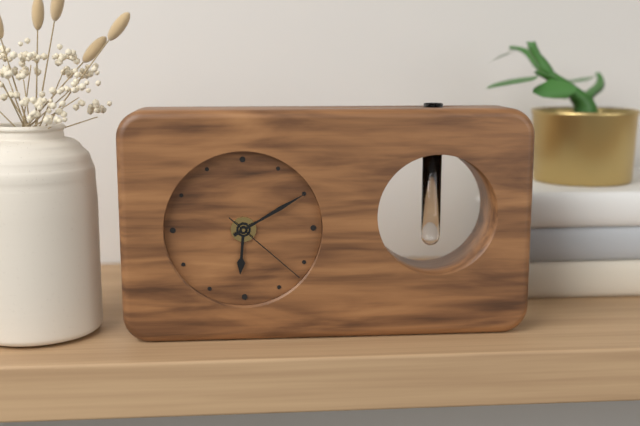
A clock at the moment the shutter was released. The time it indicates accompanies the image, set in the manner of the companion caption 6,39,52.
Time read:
6,10,22
